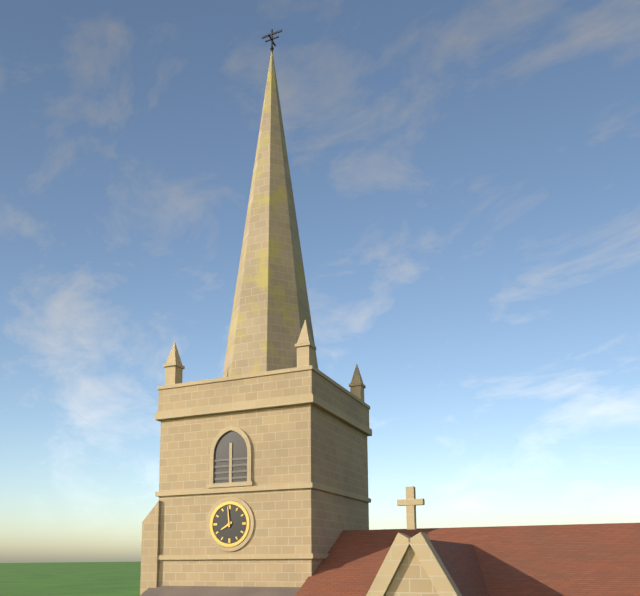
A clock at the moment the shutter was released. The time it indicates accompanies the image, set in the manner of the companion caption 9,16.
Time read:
7,59
